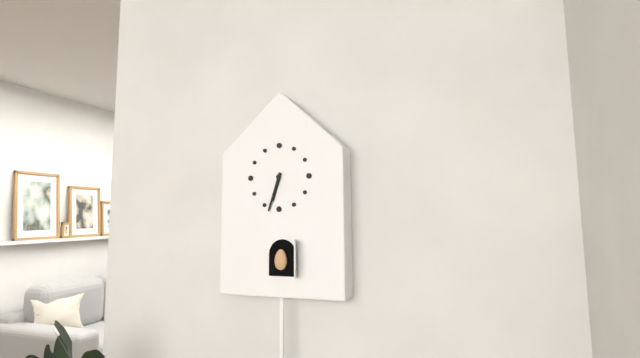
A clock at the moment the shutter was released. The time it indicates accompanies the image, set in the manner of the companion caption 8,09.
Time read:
6,33
